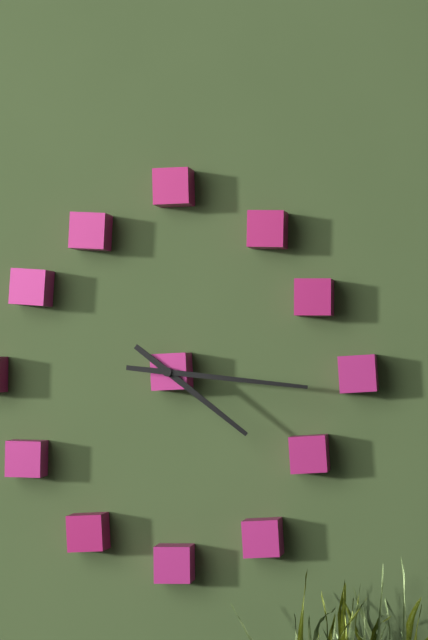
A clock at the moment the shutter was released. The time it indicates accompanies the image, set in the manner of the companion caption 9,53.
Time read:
4,16
